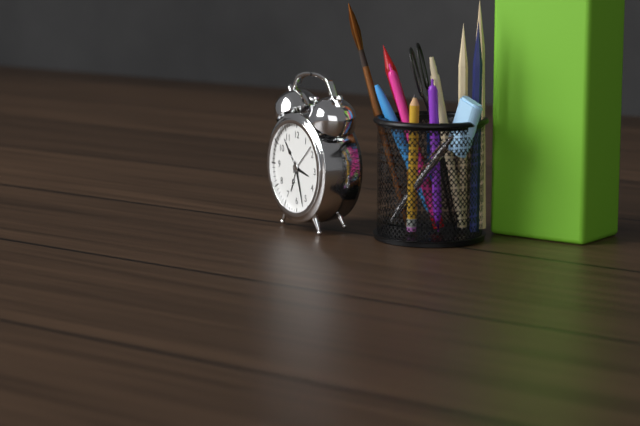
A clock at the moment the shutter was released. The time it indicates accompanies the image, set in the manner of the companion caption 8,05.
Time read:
3,27
